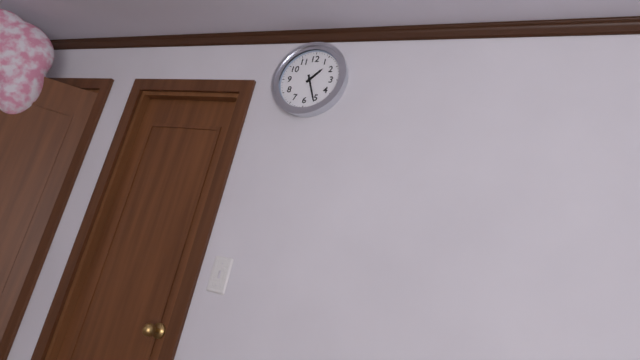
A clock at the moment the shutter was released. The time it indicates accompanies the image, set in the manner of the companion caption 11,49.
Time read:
1,26
